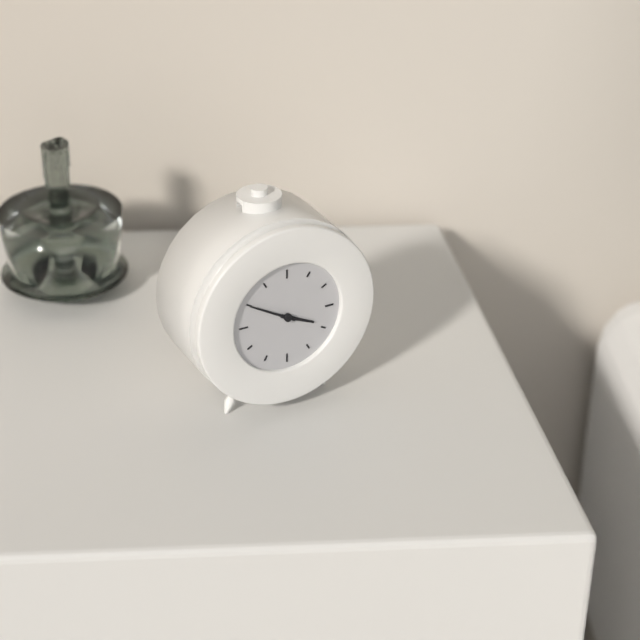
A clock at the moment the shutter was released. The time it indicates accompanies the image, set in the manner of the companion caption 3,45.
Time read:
3,50
